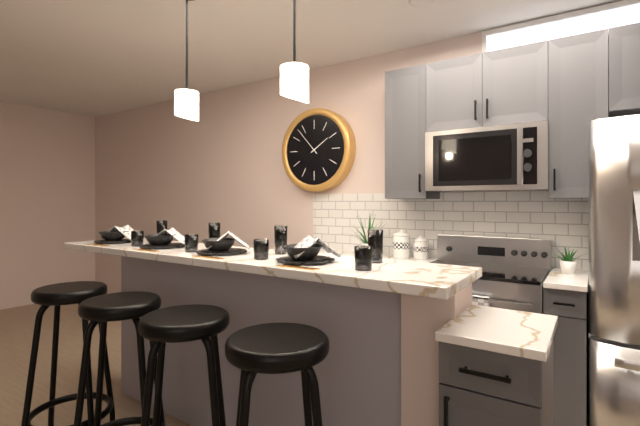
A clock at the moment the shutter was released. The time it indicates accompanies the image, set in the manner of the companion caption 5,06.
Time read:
1,53
